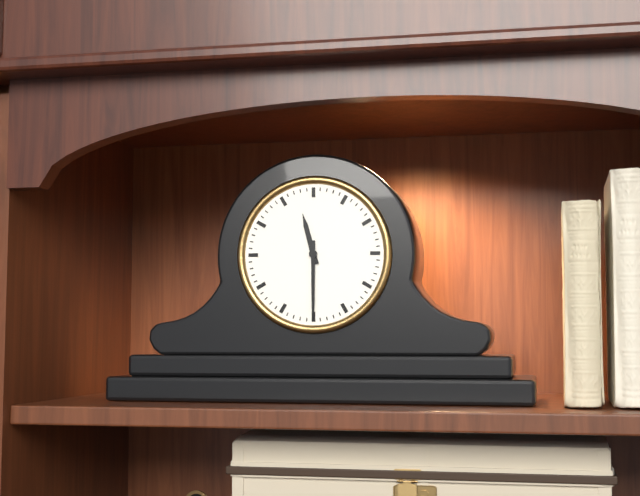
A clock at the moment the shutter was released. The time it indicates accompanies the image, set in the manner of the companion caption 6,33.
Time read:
11,30
